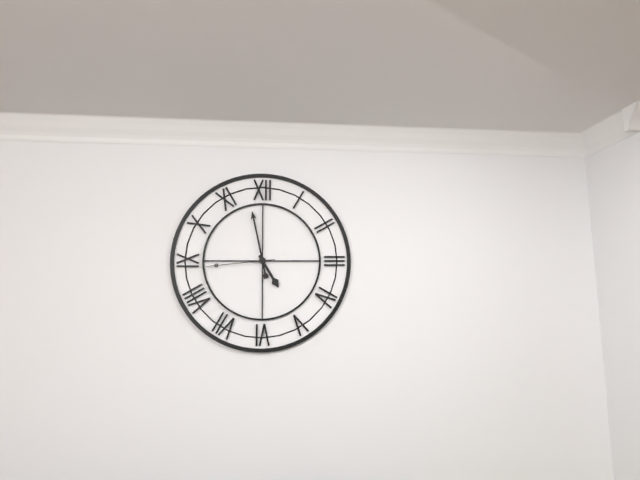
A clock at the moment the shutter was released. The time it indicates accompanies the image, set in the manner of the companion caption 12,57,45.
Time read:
4,58,44
